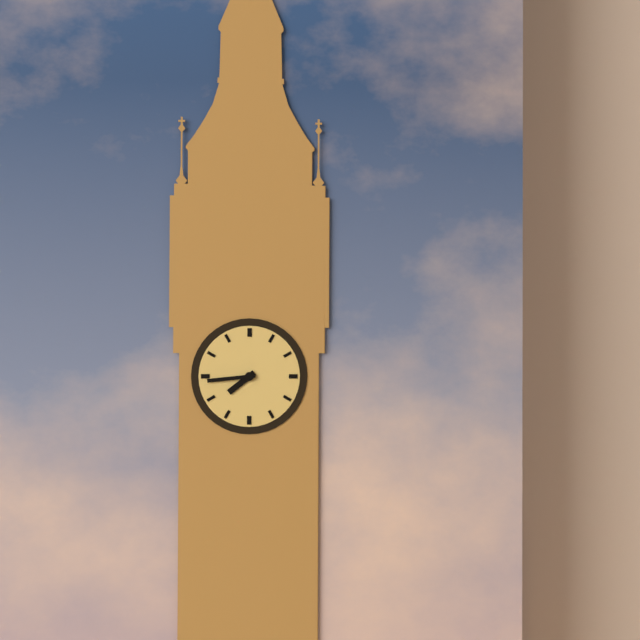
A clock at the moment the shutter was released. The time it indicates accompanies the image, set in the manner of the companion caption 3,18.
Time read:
7,44
